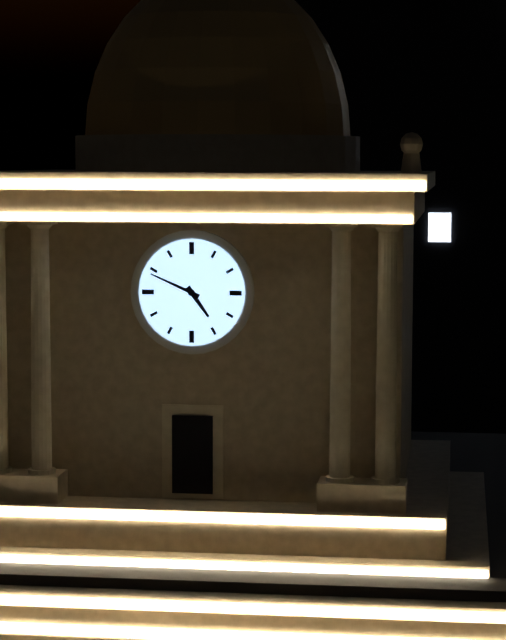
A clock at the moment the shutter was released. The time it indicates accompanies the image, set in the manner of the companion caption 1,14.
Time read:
4,49
